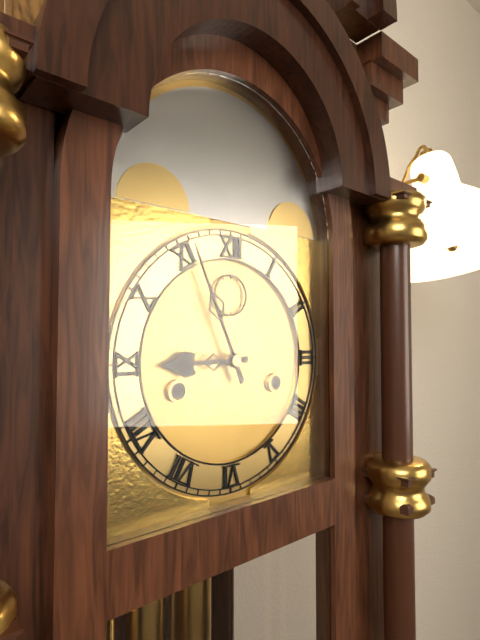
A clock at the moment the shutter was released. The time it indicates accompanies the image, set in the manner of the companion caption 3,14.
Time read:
8,56
